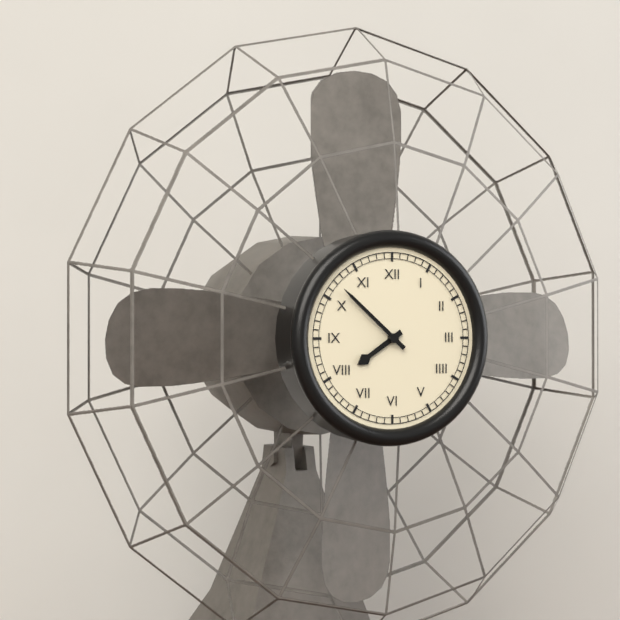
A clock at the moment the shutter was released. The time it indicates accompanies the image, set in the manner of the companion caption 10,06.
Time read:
7,52
